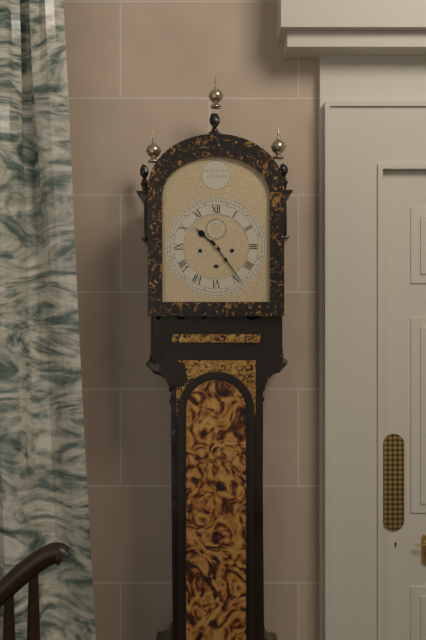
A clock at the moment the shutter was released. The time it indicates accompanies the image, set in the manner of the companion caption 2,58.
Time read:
10,24
